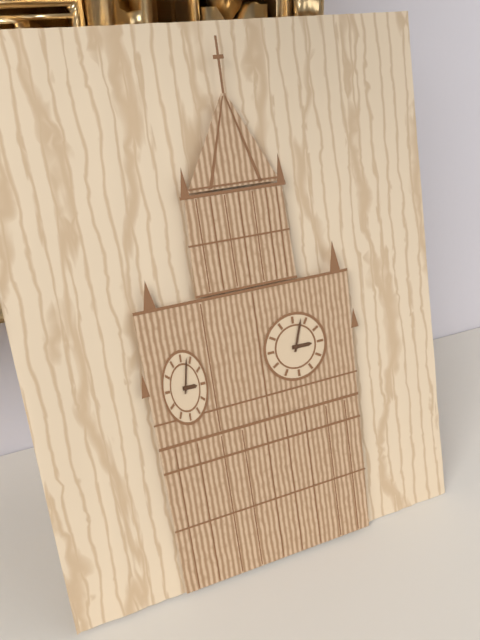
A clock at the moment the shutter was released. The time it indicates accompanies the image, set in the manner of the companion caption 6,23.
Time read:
3,03
